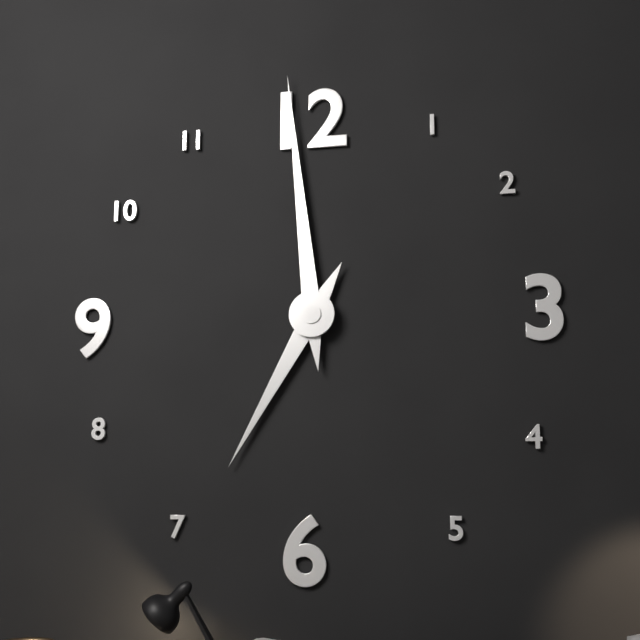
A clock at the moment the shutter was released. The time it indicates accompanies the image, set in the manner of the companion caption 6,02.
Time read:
6,59
